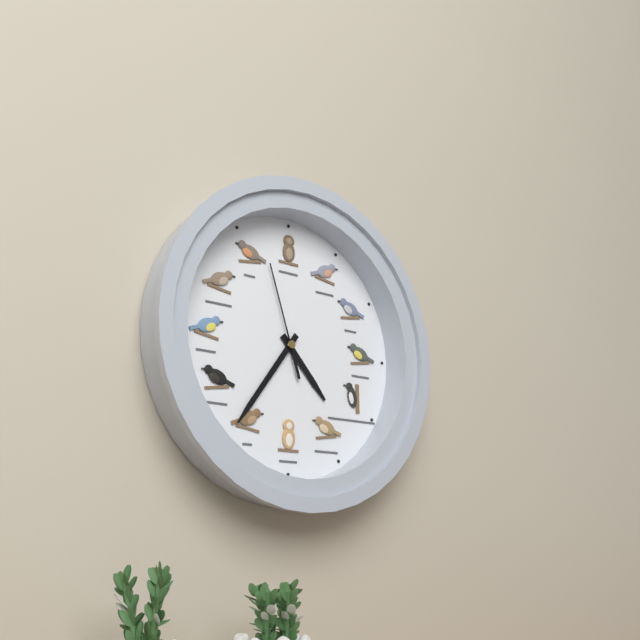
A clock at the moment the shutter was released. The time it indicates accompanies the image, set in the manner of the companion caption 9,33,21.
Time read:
4,36,57
